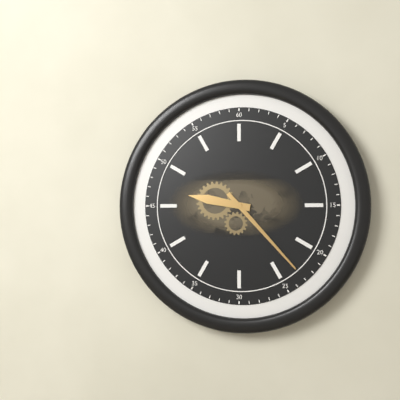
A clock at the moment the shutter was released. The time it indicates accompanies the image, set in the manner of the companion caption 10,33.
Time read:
9,23
